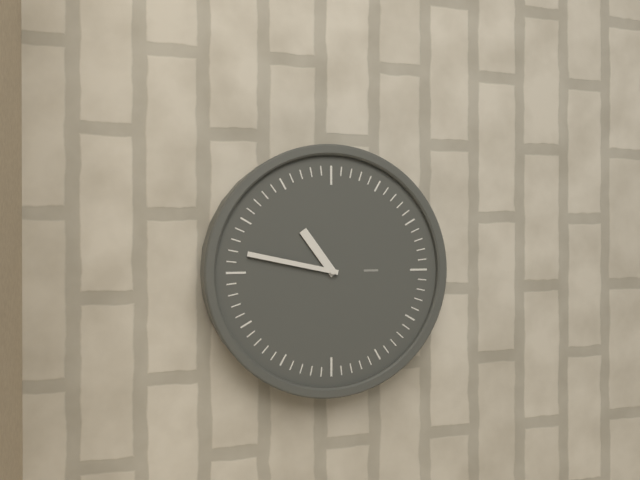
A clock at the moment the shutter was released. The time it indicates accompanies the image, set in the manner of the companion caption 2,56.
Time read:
10,47
